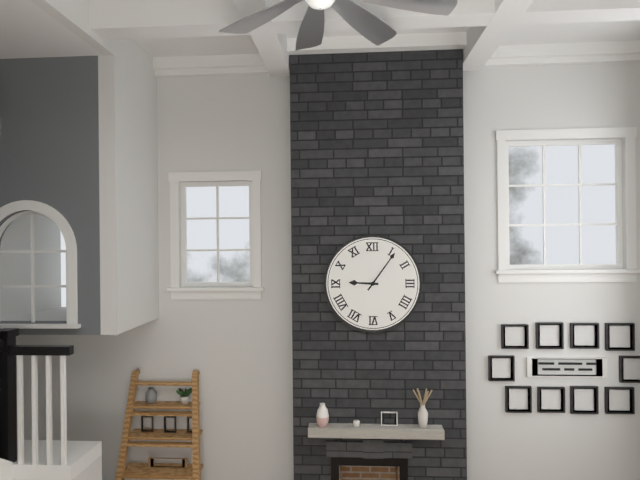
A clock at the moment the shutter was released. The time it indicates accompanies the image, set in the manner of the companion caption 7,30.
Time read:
9,06
